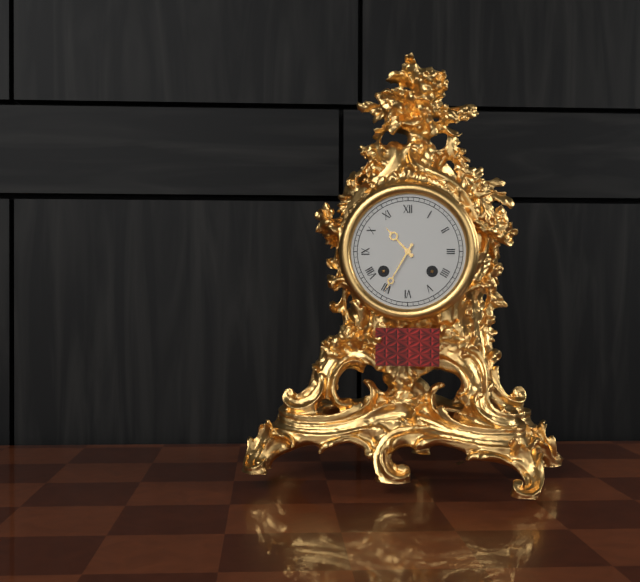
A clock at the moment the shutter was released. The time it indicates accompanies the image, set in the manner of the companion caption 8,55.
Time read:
10,35
